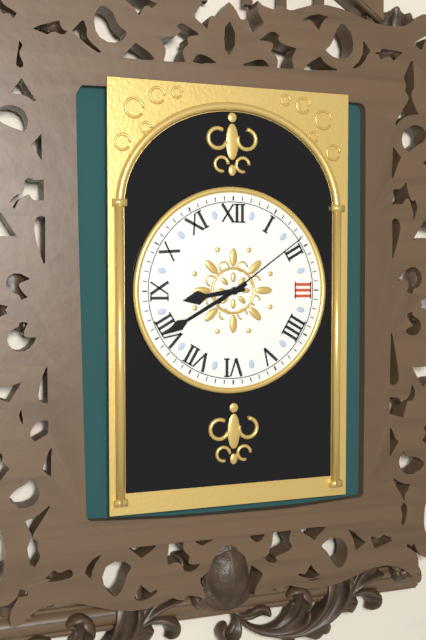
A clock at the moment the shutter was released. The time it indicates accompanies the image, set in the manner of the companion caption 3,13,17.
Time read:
8,40,09
